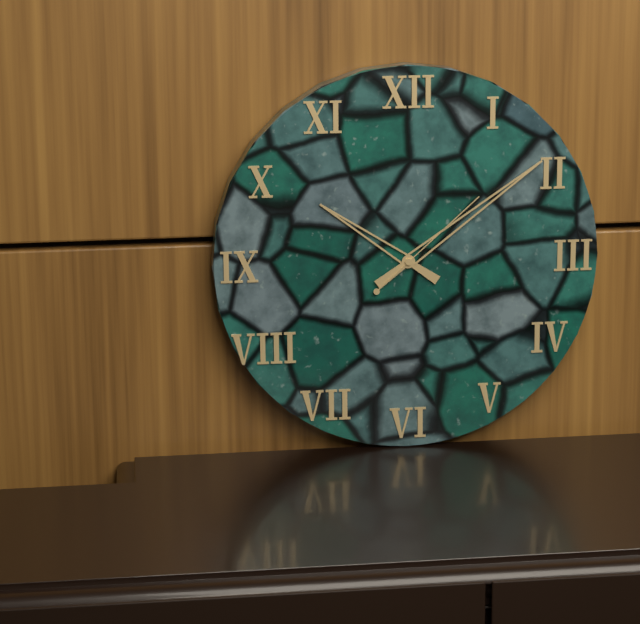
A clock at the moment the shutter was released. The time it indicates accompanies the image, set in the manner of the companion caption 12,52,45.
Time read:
10,09,08
